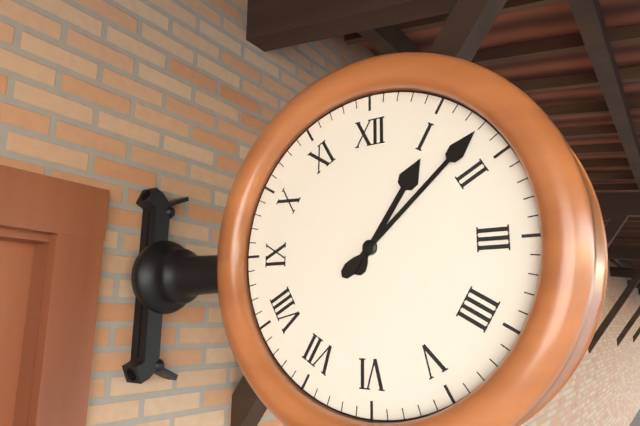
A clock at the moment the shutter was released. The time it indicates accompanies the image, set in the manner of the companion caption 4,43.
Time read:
1,08
